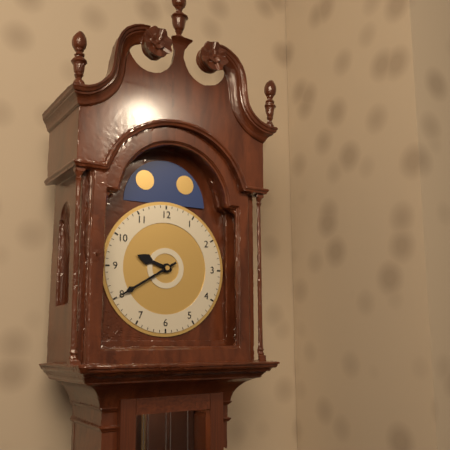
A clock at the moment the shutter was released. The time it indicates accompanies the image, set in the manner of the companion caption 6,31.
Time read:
9,40
